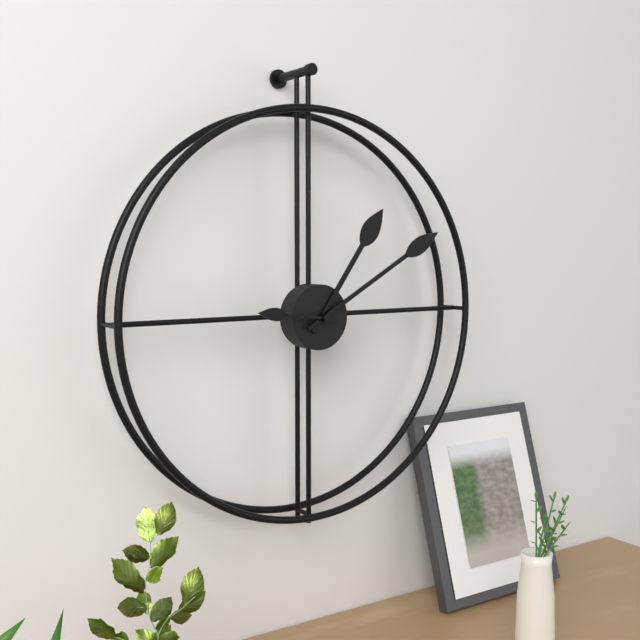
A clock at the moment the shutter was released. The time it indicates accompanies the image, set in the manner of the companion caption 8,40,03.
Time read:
1,10,46
